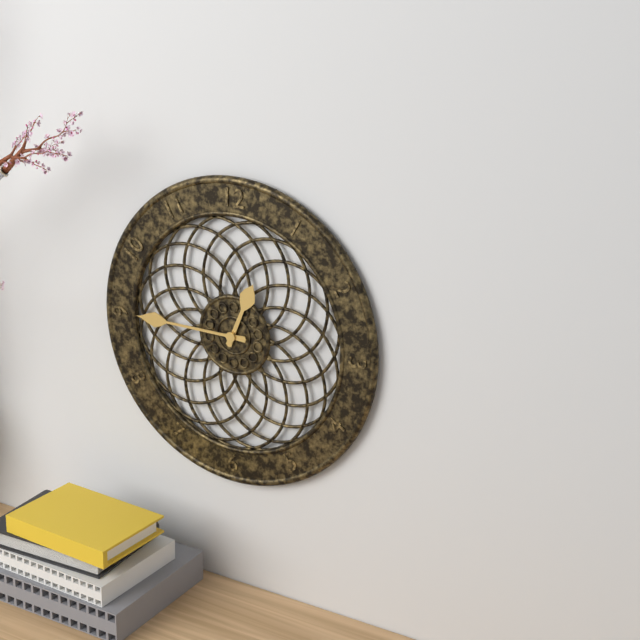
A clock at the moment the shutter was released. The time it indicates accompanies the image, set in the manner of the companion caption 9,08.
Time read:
12,45
